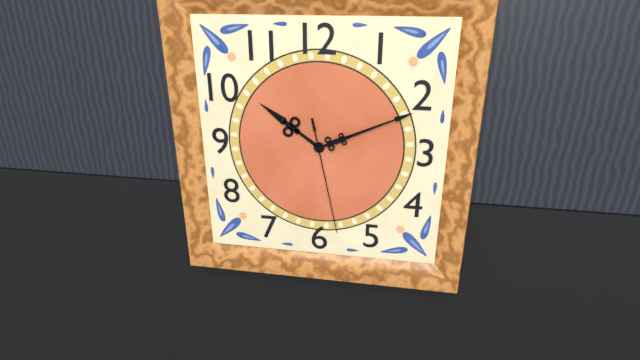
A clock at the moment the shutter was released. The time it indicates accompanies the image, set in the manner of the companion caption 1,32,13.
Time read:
10,11,28
